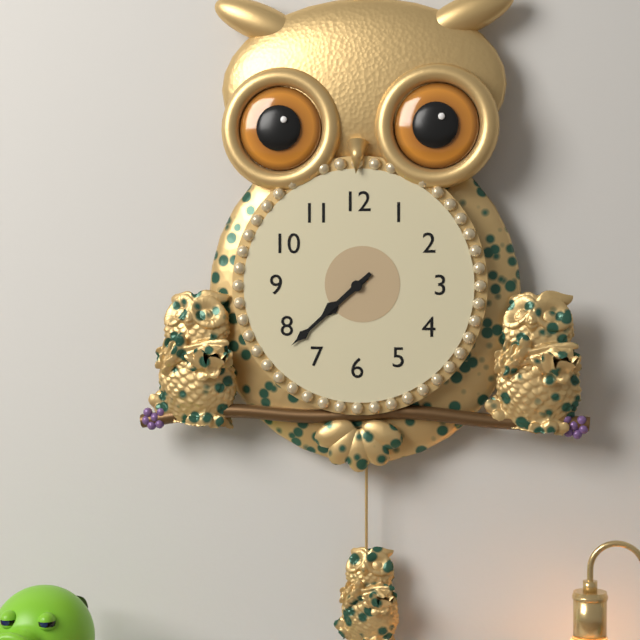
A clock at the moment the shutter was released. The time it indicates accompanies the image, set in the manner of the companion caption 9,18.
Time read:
7,38
